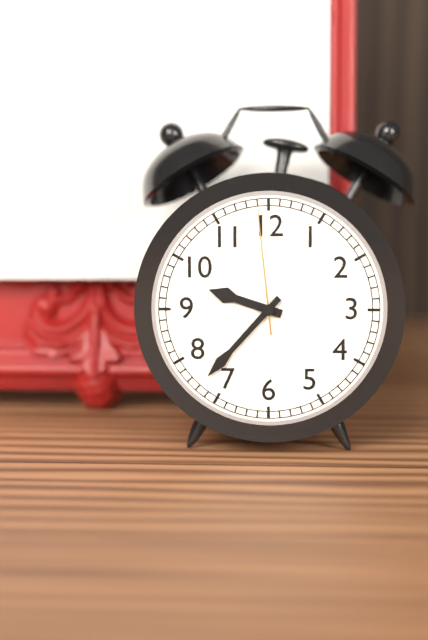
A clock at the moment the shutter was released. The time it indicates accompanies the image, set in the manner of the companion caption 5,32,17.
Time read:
9,37,59
